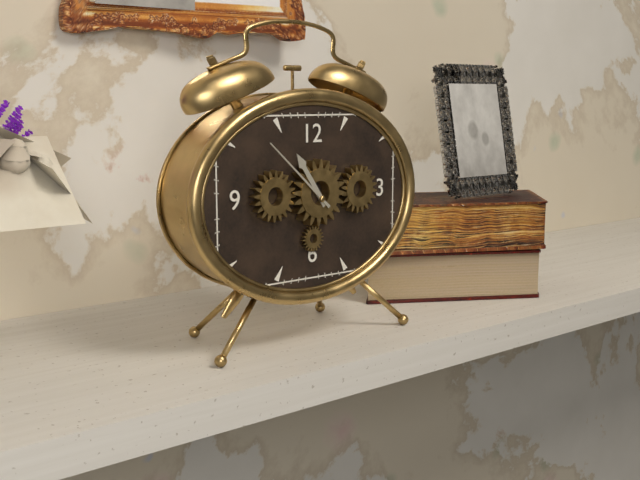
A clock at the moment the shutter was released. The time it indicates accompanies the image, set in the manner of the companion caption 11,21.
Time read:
10,52
